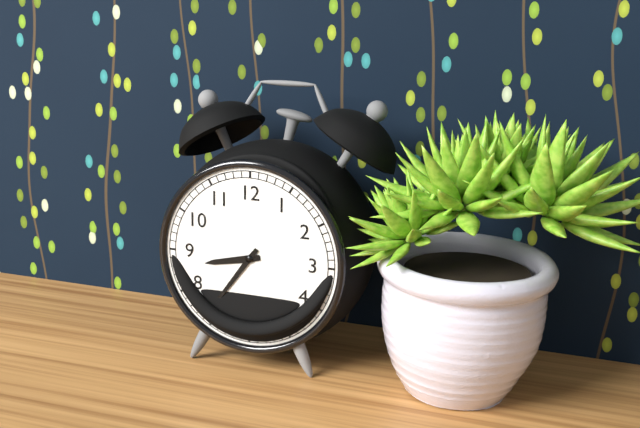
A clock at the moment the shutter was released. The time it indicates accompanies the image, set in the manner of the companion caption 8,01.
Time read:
8,36
